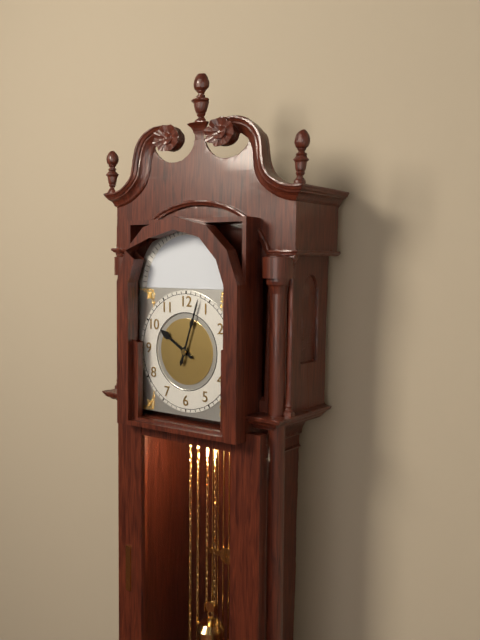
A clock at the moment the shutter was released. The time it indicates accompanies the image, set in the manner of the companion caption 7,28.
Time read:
10,03
